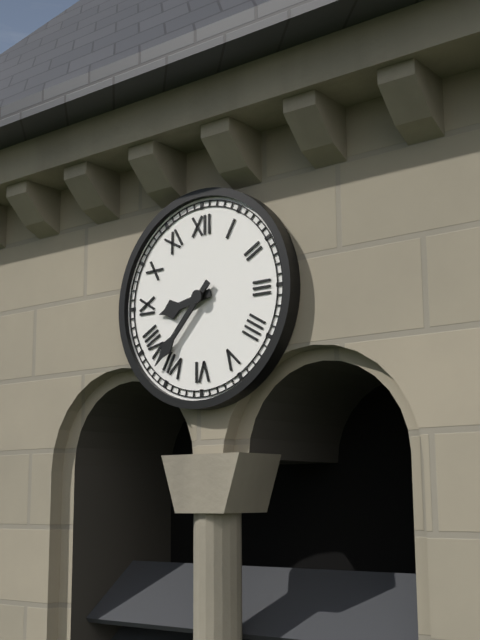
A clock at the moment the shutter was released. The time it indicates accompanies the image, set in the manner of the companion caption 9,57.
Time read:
8,37
